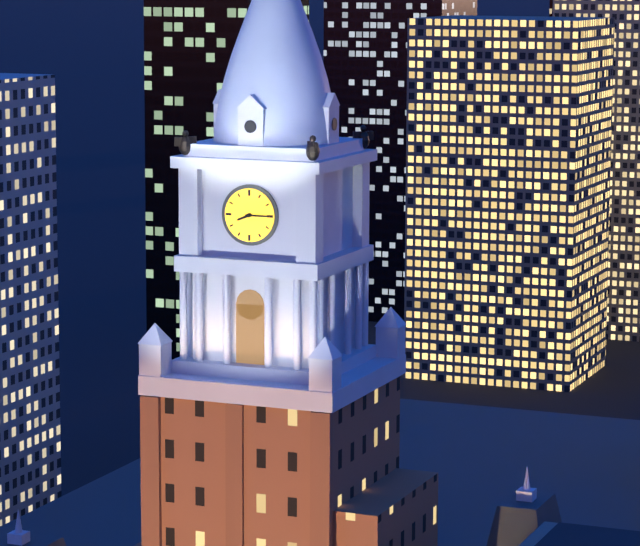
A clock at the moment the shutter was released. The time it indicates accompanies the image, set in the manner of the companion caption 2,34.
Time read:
8,15
